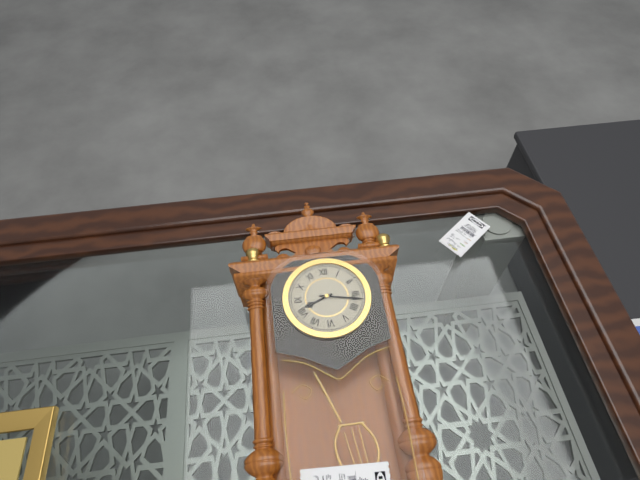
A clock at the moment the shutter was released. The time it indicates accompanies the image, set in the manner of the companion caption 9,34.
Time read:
8,17
